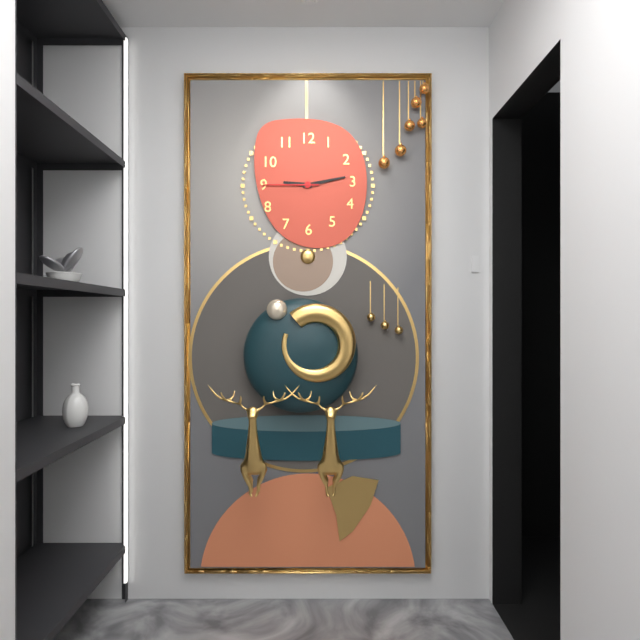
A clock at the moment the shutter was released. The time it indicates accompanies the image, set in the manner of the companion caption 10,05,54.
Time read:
9,13,45
